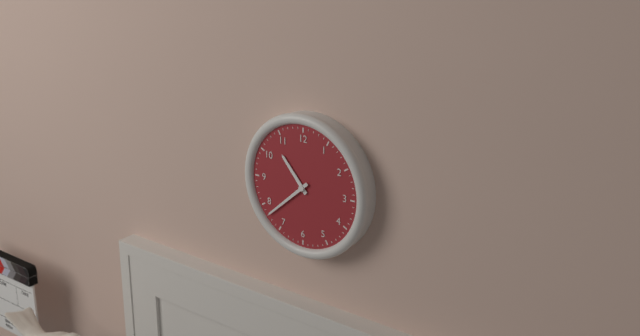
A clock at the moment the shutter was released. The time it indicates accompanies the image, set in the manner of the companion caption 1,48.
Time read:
10,38
